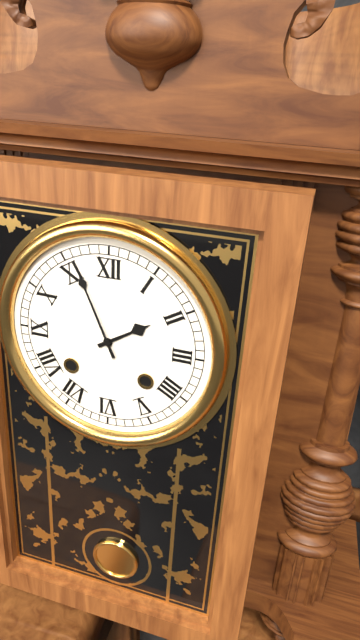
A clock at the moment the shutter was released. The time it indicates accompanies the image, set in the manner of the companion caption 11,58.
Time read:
1,56
